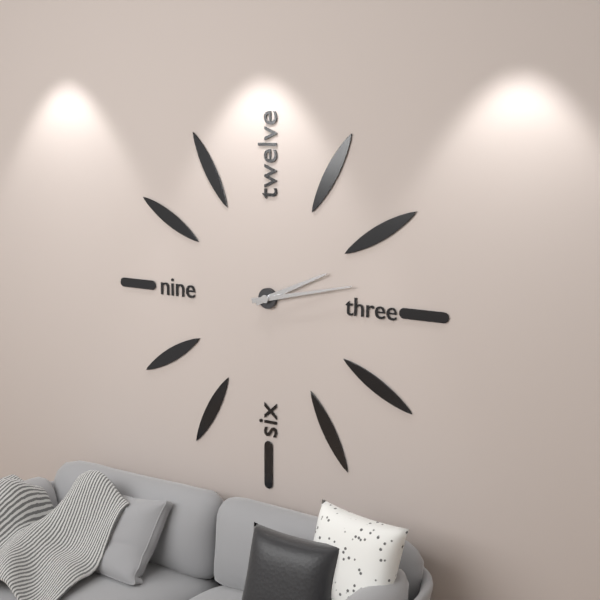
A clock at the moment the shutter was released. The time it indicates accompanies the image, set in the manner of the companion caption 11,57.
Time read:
2,13
